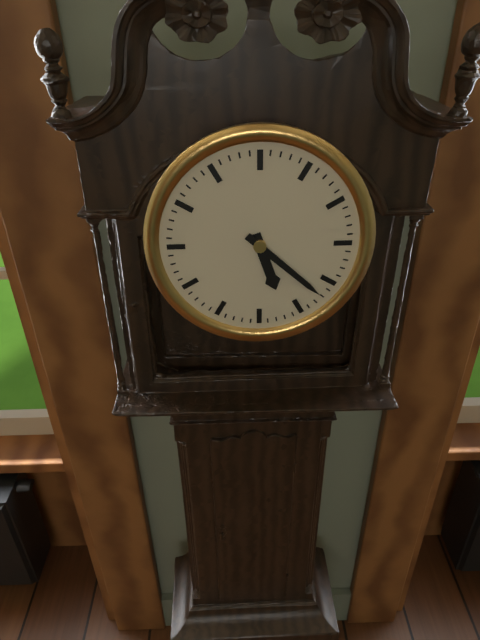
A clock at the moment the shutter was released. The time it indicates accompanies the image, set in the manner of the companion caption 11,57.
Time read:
5,22
